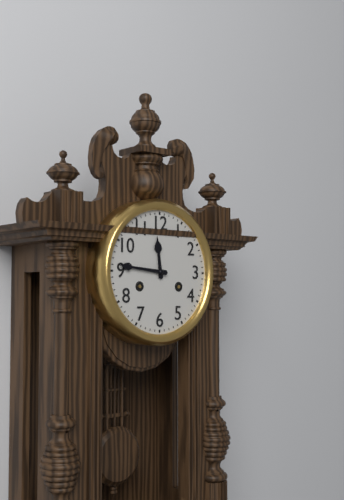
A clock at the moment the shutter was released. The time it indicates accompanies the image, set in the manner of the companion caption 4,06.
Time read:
11,46
